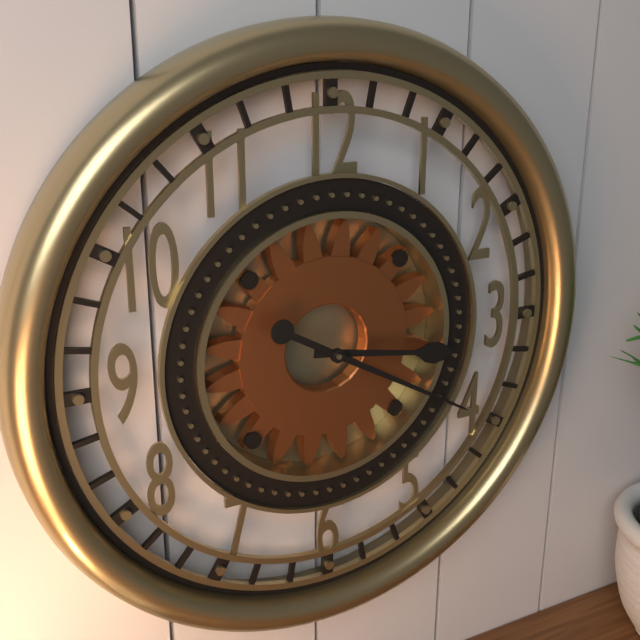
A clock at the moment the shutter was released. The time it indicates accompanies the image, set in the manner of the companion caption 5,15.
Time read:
3,20
